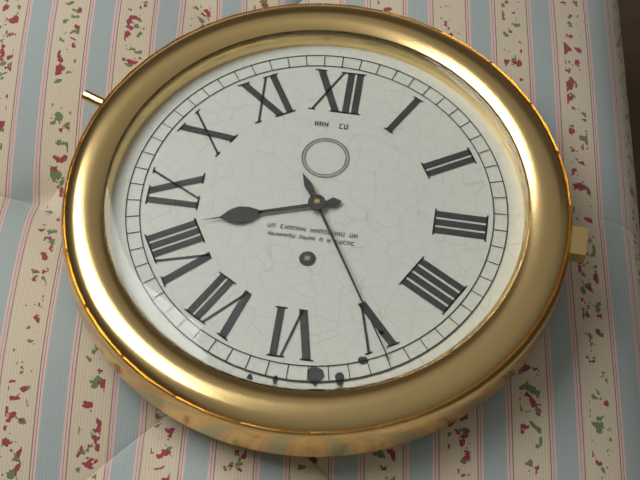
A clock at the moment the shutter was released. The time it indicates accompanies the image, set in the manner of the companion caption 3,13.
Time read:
8,25
